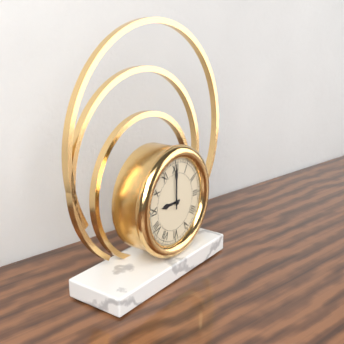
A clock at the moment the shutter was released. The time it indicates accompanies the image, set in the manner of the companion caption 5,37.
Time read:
9,00
